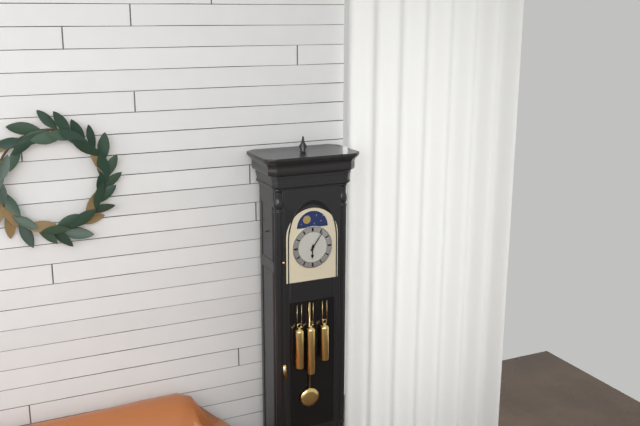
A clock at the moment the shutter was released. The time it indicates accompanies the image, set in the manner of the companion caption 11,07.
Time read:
6,06
